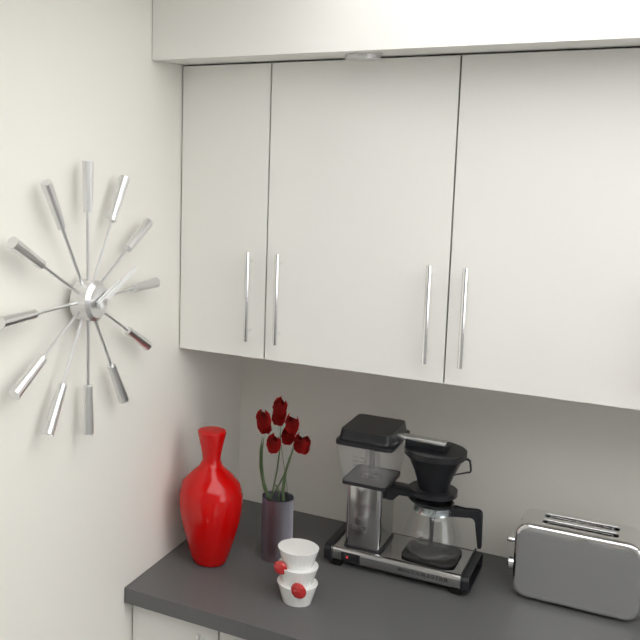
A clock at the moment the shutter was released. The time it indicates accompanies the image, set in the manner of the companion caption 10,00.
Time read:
2,11
